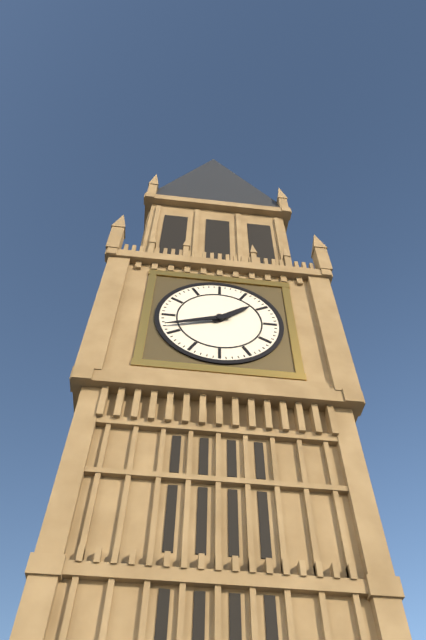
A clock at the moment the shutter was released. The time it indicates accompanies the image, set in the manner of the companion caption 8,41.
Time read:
1,42
